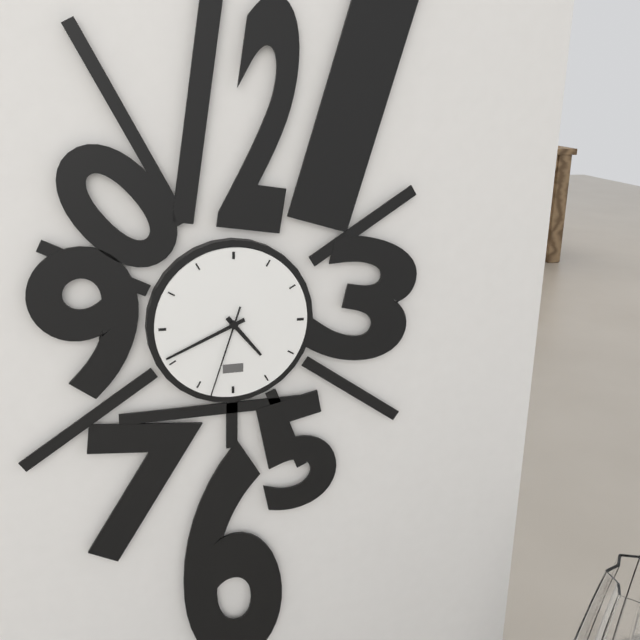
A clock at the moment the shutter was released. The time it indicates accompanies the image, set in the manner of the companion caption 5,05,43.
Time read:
4,41,33
